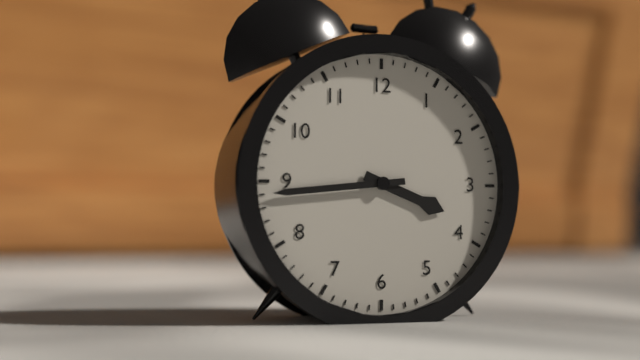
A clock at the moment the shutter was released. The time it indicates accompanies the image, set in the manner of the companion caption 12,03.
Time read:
3,44
